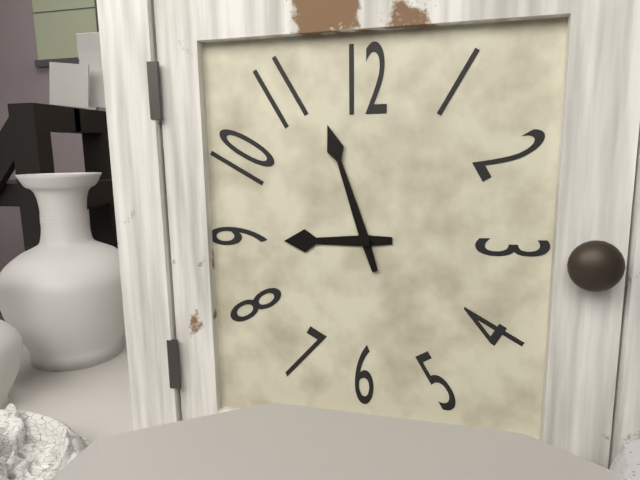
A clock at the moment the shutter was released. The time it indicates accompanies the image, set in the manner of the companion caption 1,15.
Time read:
8,57
